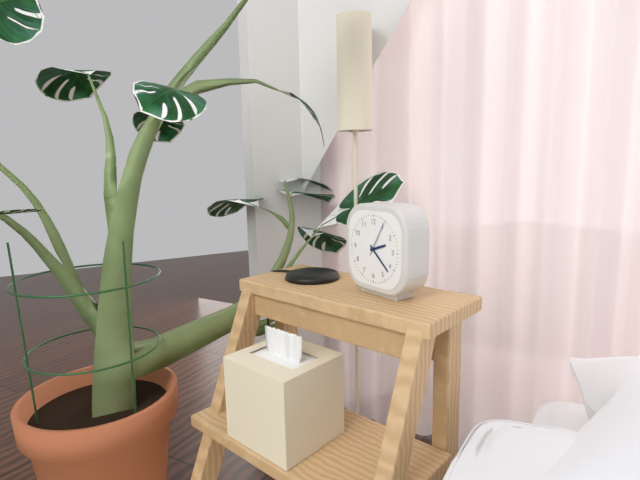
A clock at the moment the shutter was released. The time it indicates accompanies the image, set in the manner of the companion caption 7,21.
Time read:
2,22
